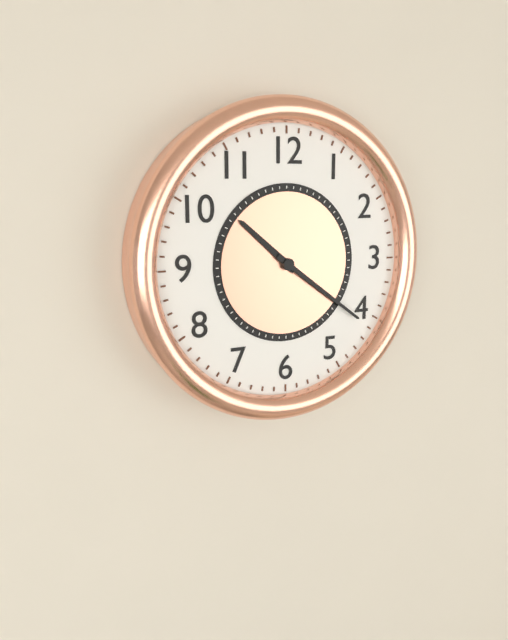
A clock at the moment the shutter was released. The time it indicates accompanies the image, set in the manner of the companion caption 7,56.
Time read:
10,21
